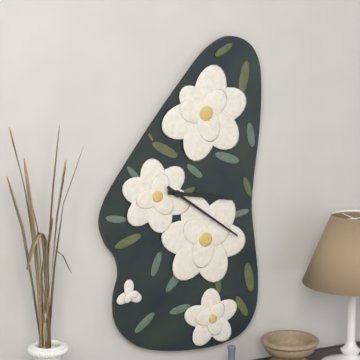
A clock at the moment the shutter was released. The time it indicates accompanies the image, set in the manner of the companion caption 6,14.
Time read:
3,21
